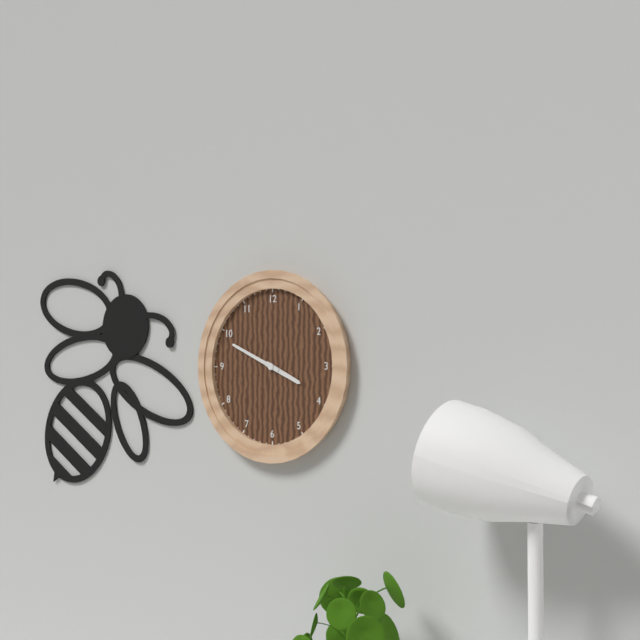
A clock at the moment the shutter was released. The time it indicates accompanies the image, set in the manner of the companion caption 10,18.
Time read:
3,49
